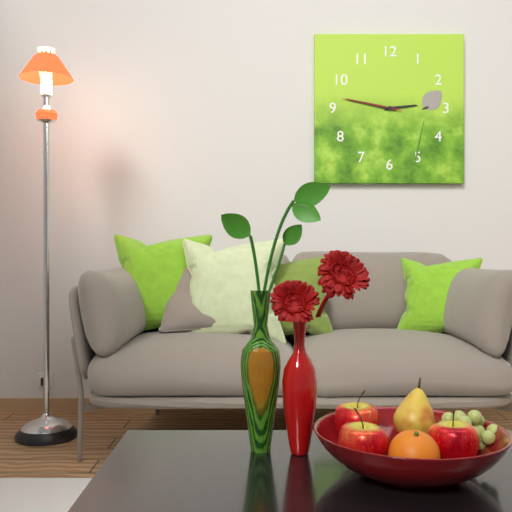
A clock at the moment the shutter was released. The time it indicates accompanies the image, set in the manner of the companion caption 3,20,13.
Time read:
2,47,47
